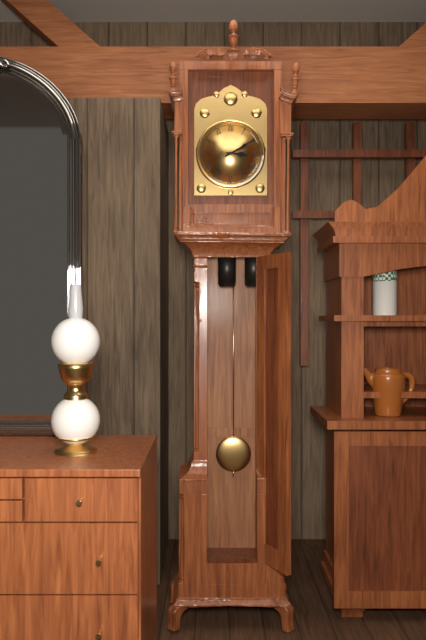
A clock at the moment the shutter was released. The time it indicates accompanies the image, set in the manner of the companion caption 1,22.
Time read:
3,10
